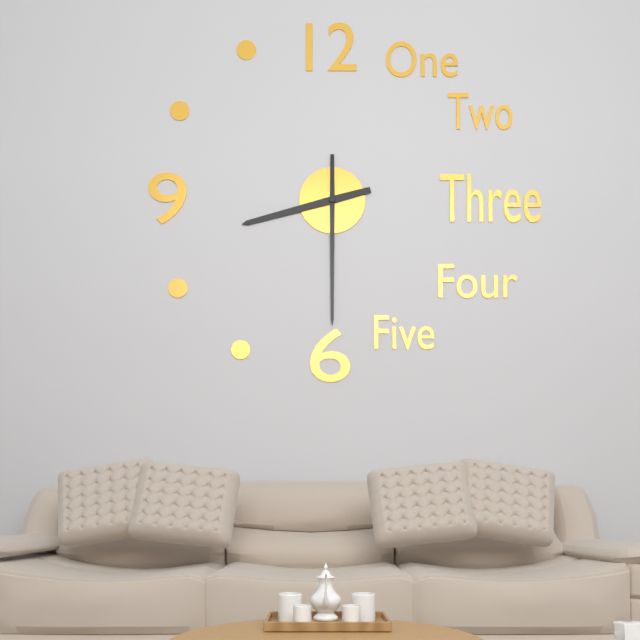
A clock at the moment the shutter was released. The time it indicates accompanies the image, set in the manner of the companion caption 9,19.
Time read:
8,30
